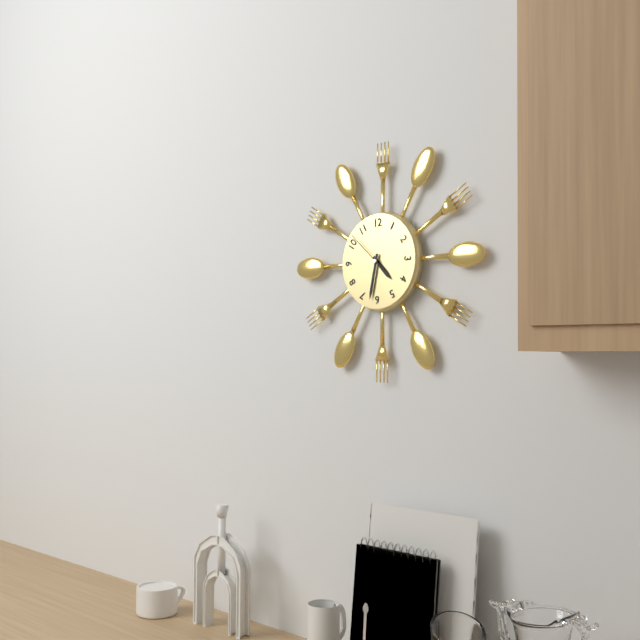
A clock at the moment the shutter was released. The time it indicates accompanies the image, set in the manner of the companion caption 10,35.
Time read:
4,32
